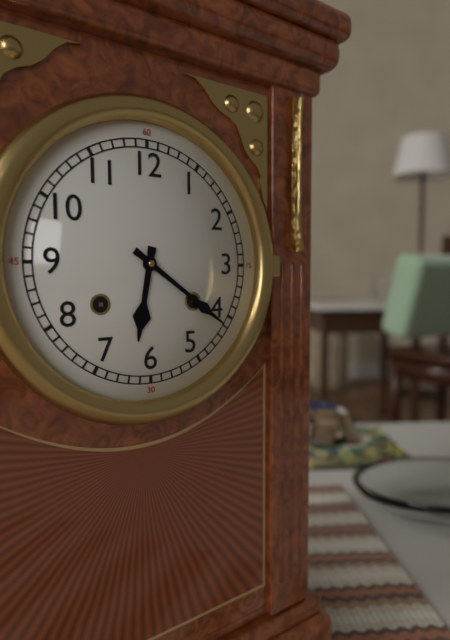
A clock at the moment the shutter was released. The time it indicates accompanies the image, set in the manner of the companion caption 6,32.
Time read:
6,21
